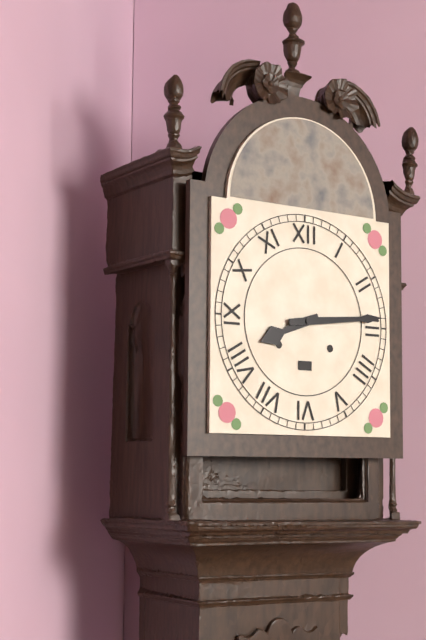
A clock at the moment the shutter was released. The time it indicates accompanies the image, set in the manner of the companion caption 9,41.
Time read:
8,14
